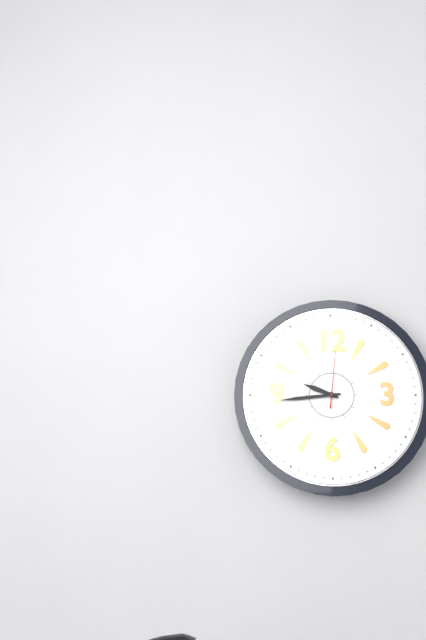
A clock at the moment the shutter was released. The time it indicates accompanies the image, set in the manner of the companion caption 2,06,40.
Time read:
9,44,01
